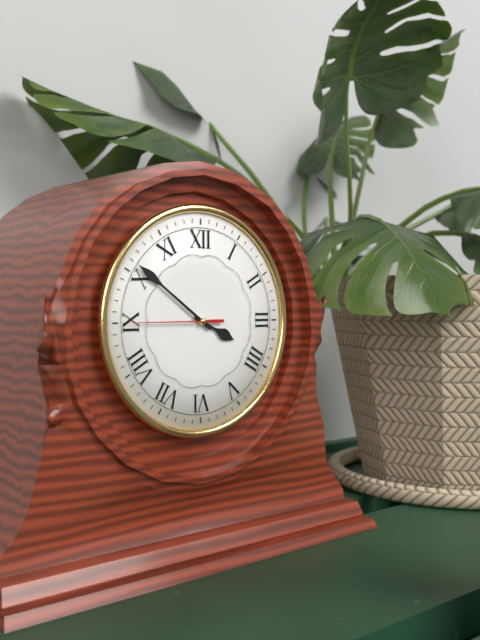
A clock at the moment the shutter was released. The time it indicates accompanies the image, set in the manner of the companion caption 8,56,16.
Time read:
3,51,45
